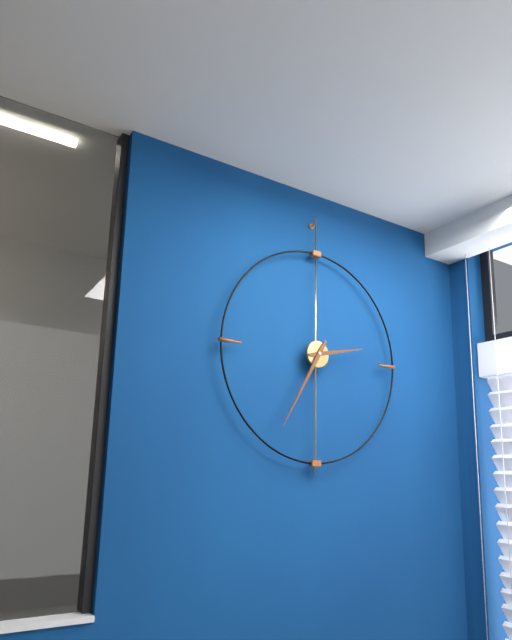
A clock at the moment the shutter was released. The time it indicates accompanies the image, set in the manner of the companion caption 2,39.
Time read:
2,35
